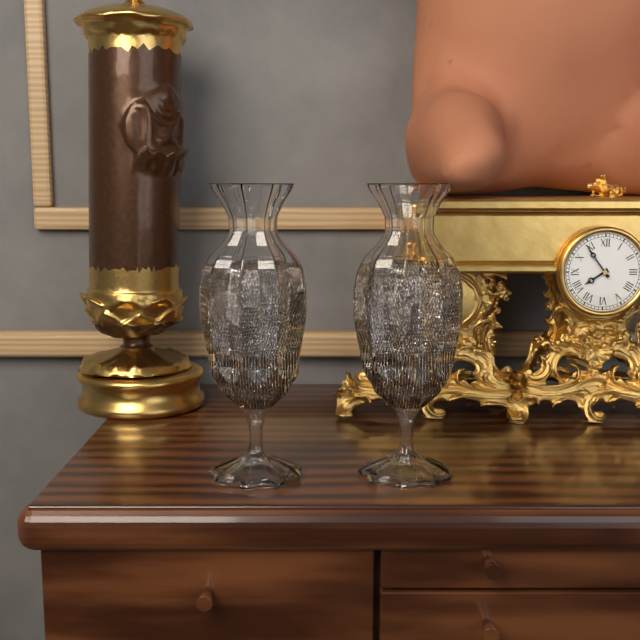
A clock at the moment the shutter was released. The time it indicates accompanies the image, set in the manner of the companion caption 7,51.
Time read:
7,54
